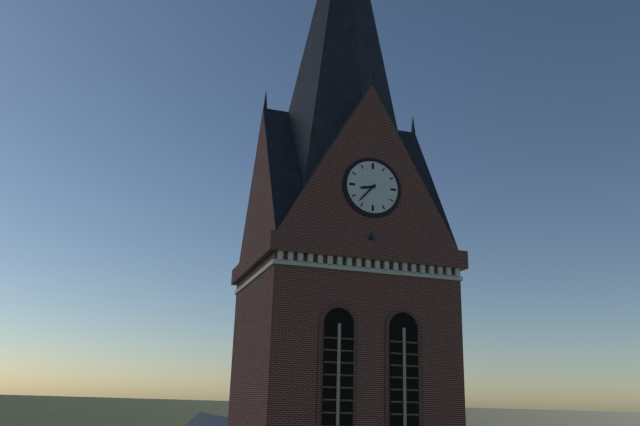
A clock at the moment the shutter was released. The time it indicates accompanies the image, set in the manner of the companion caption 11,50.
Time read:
8,37
